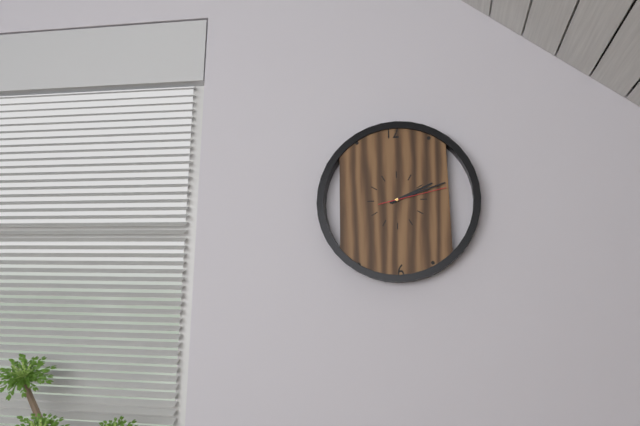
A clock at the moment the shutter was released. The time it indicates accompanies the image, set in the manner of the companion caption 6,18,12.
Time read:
2,12,13
